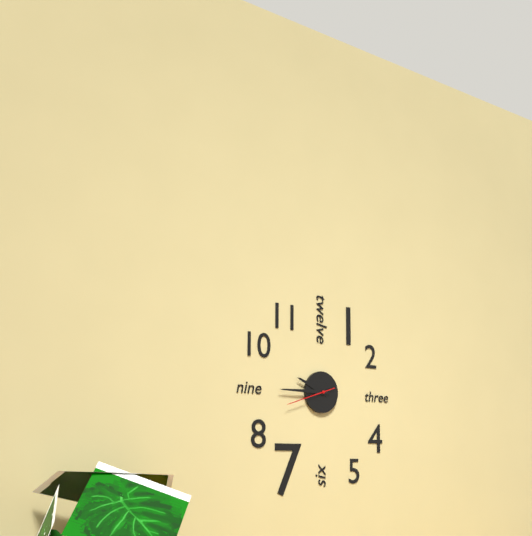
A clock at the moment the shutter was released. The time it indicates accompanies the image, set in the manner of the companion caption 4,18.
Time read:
9,45
